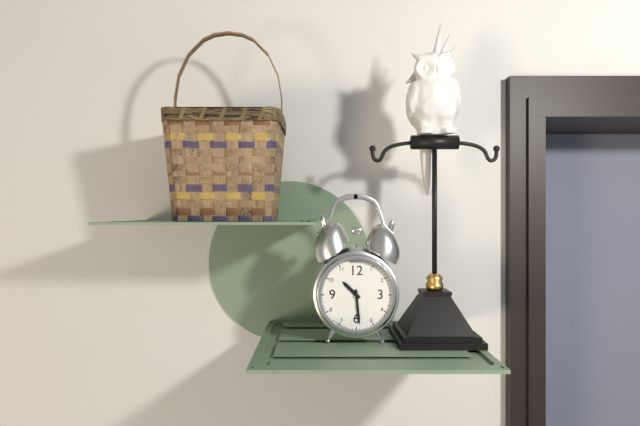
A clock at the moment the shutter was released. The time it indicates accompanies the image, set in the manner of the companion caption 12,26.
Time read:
10,29
